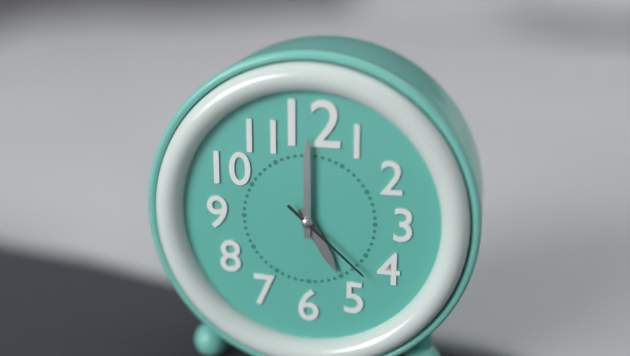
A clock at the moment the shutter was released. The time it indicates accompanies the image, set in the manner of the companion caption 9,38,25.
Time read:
5,00,22
